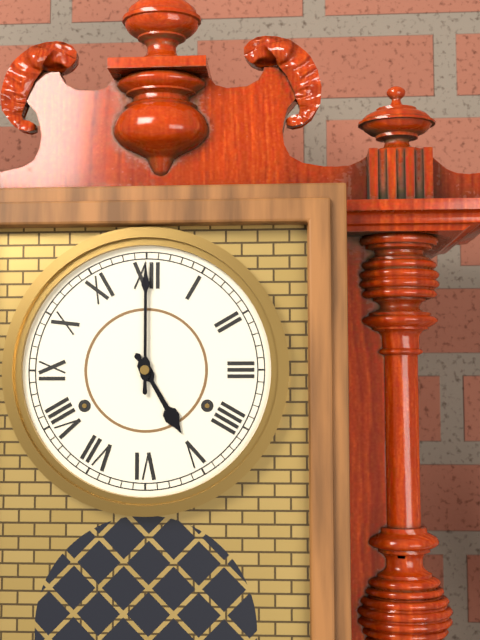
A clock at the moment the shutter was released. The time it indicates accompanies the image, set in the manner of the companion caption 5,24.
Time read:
5,00
